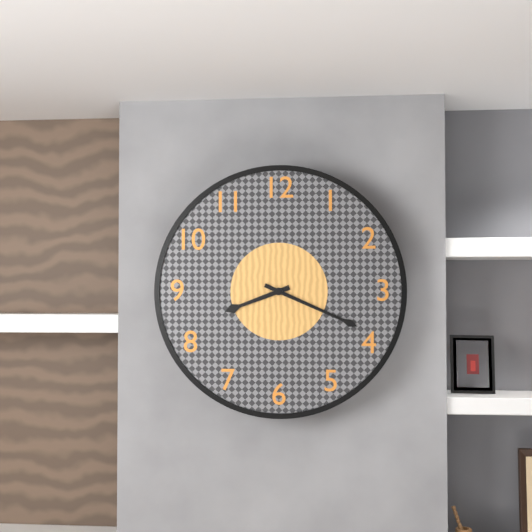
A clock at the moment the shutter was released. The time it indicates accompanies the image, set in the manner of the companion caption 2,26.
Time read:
8,19
